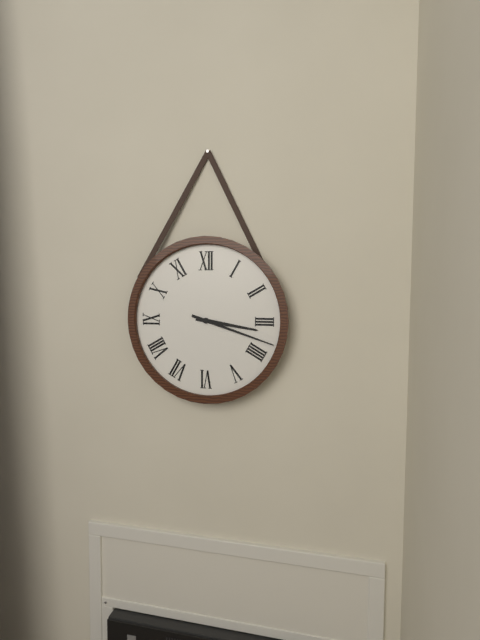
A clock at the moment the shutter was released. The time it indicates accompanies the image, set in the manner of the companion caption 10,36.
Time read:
3,18
